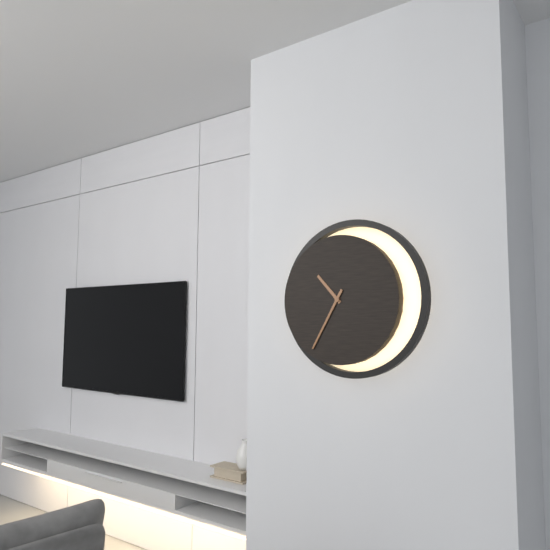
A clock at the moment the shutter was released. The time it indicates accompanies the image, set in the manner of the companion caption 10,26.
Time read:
10,35
